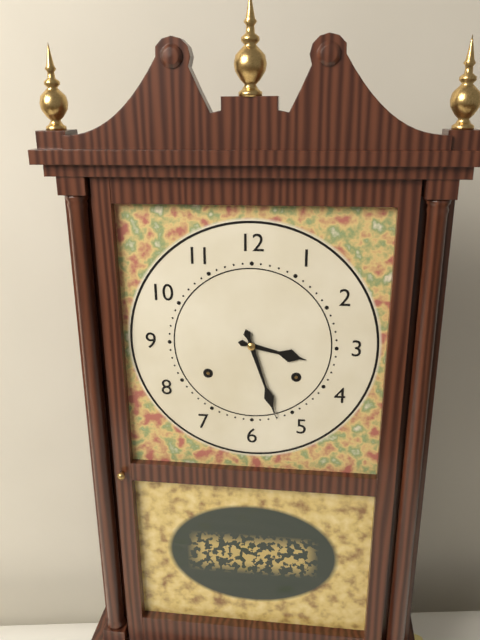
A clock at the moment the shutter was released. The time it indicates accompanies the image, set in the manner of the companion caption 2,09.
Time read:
3,27
